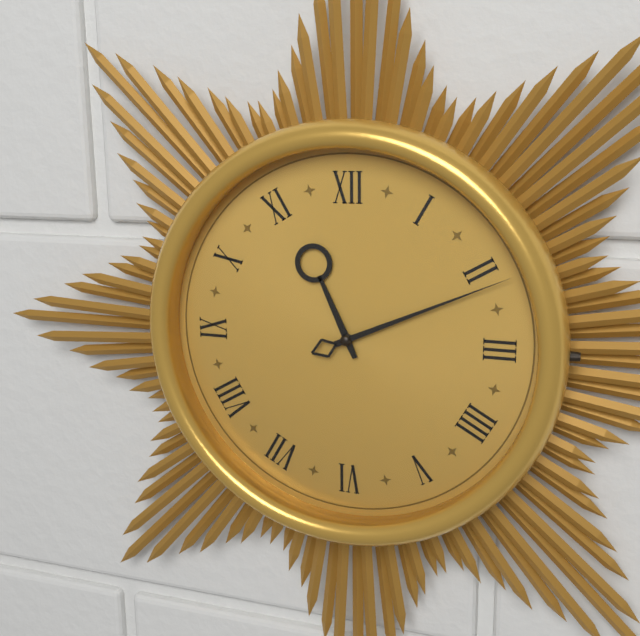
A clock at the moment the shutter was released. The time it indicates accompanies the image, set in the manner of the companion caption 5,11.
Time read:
11,11
